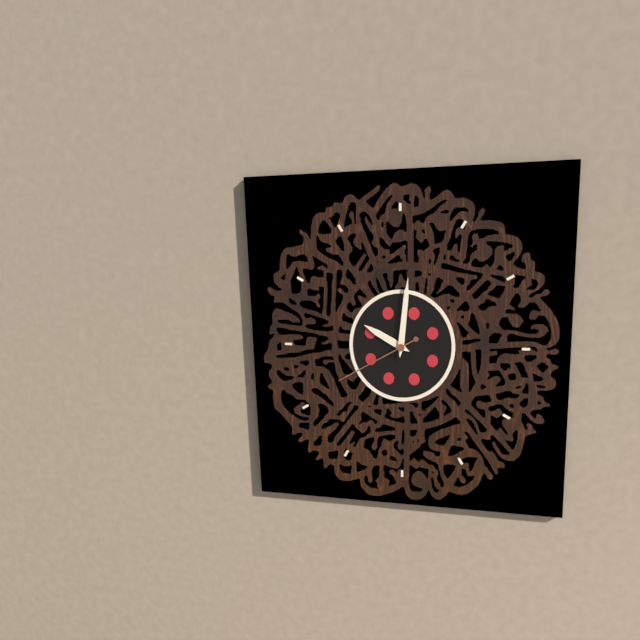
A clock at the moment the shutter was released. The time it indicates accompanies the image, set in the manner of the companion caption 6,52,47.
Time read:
10,01,40
